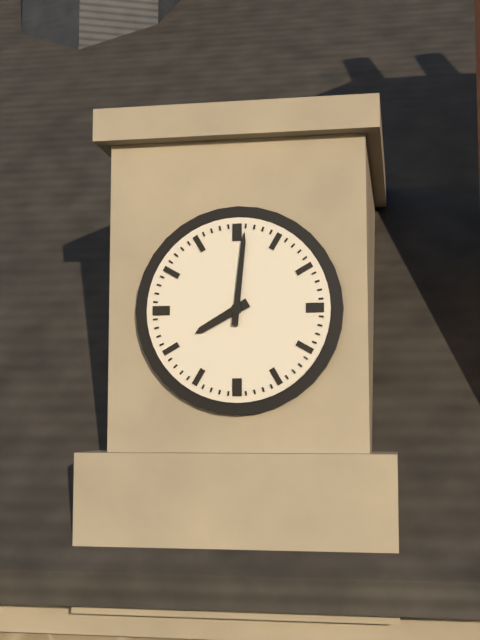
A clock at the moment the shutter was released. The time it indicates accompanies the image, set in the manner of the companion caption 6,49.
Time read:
8,01
